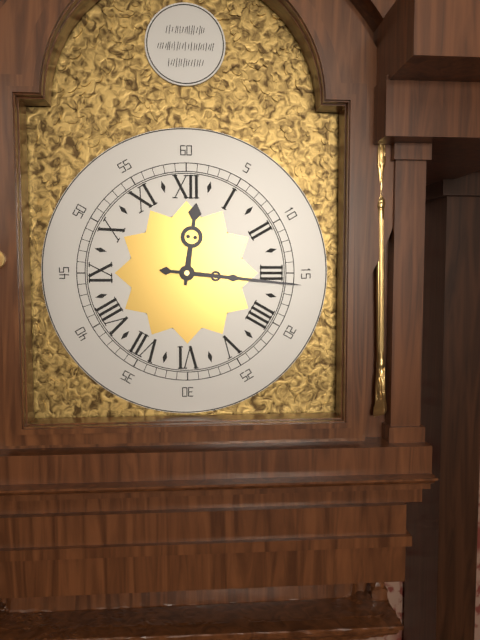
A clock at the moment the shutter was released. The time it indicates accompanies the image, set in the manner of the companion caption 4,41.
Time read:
12,16
